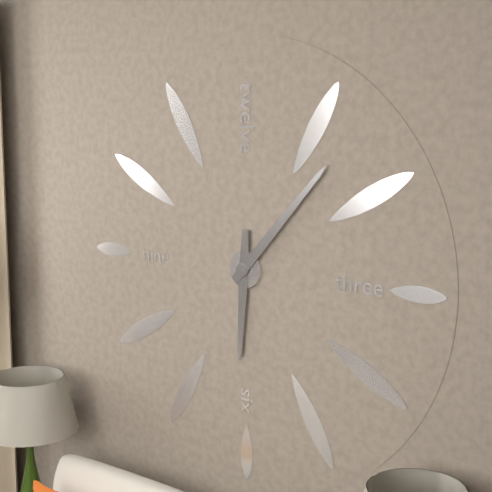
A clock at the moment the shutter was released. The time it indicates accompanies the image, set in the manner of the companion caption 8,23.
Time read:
6,07
